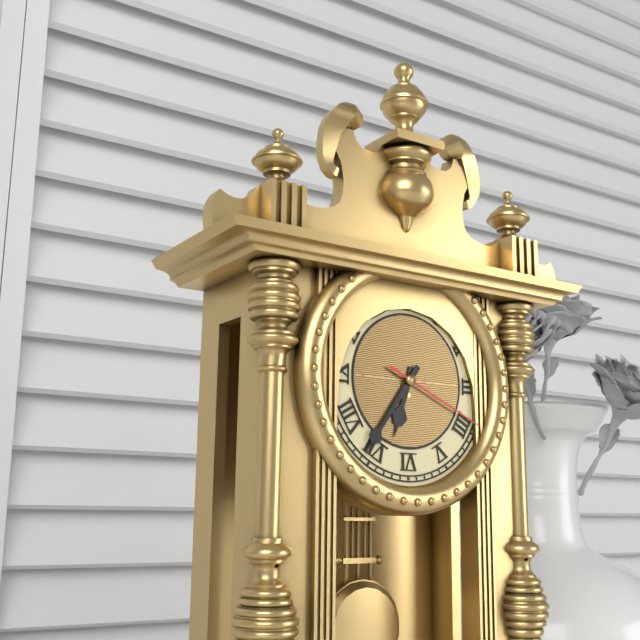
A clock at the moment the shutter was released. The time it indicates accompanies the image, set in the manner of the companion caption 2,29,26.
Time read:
6,36,19
